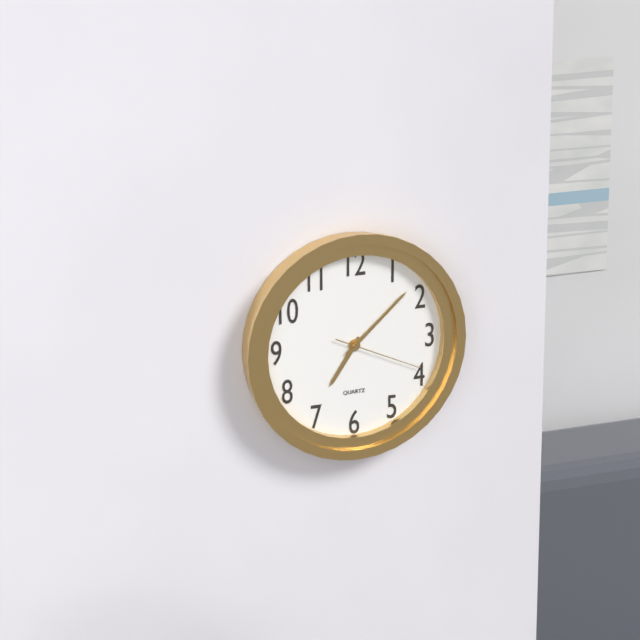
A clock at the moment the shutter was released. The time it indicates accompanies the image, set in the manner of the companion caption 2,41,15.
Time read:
7,08,19
